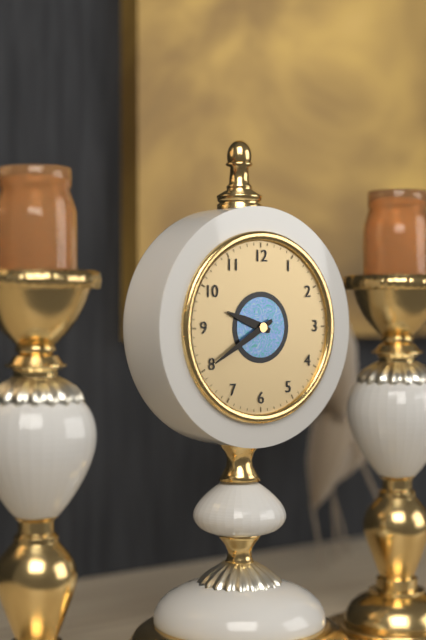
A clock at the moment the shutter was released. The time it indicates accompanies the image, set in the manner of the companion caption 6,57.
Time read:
9,40
